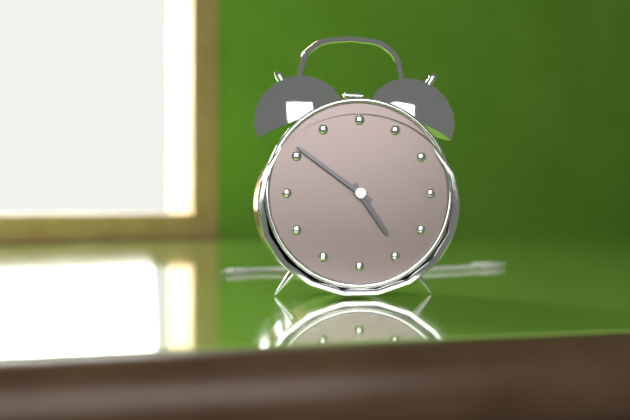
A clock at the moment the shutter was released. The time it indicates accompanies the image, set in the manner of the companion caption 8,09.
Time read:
4,51
